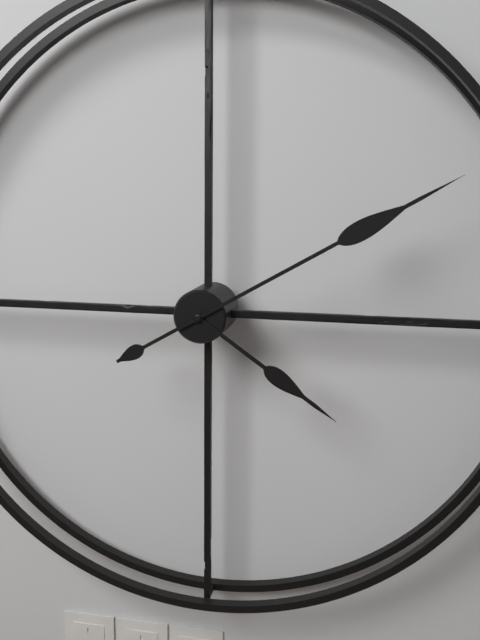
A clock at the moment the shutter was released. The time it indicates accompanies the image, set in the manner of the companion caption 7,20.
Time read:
4,10
